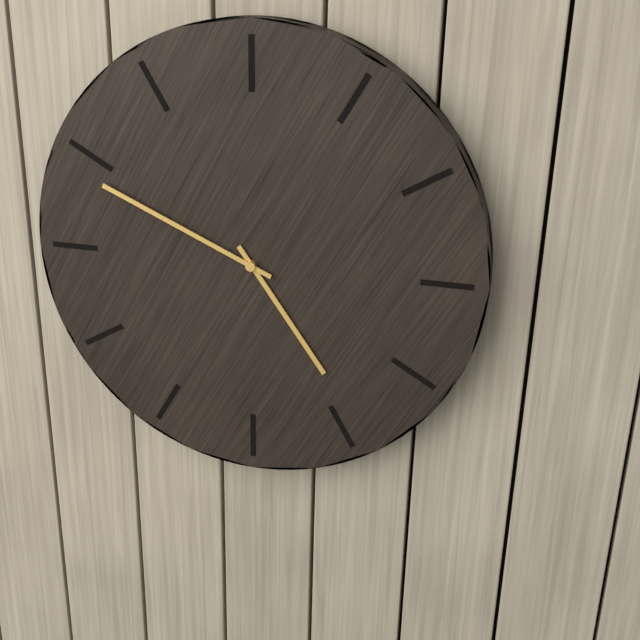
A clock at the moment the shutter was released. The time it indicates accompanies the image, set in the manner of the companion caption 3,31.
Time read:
4,49
